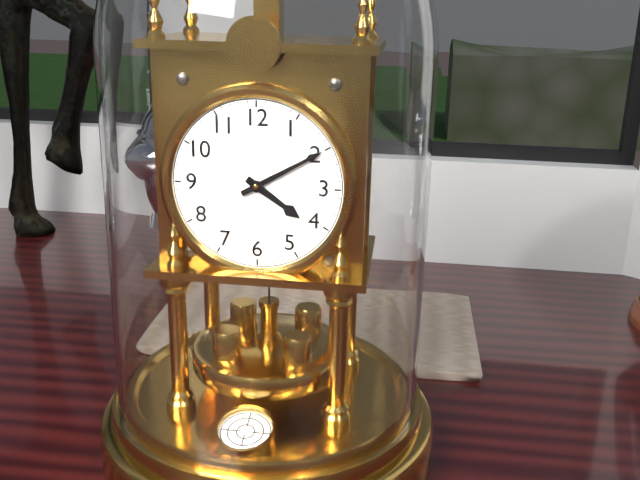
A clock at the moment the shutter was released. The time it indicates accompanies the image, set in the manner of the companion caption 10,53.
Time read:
4,10
